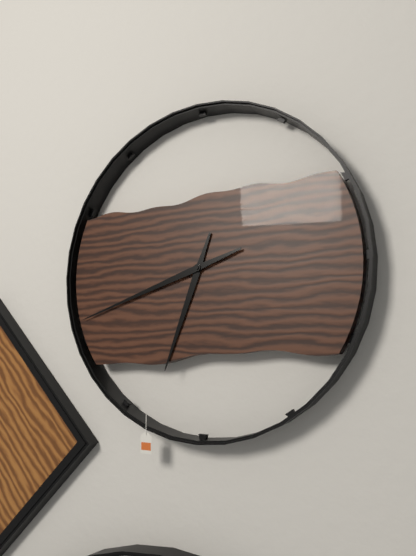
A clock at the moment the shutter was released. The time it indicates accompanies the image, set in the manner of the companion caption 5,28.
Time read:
6,42
